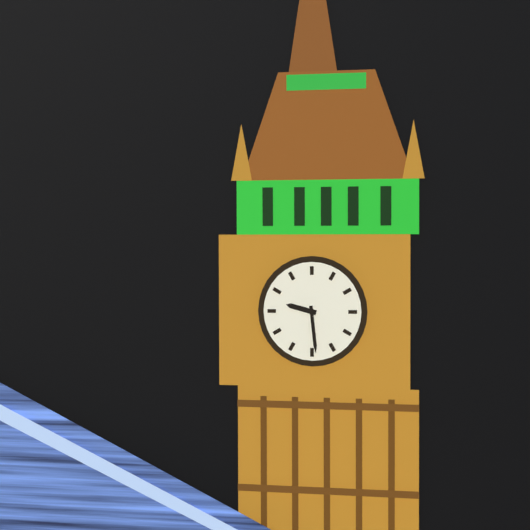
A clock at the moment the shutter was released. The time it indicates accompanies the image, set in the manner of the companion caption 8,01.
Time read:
9,29
